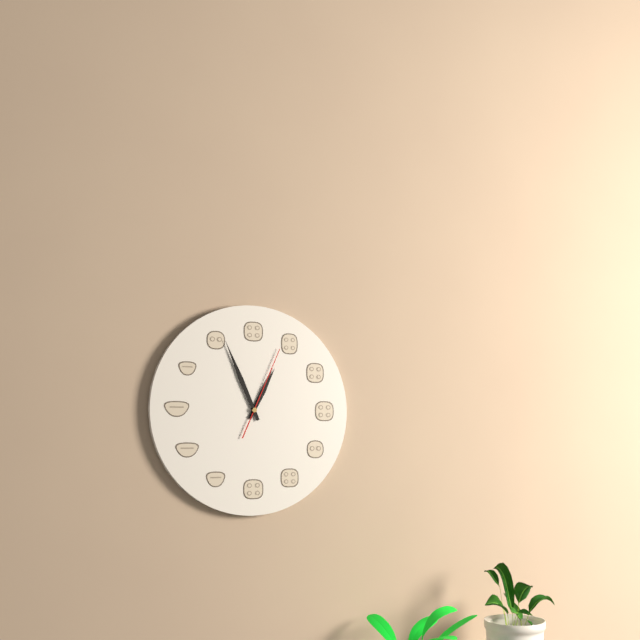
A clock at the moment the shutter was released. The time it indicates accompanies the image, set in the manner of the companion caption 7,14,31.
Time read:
12,56,04
